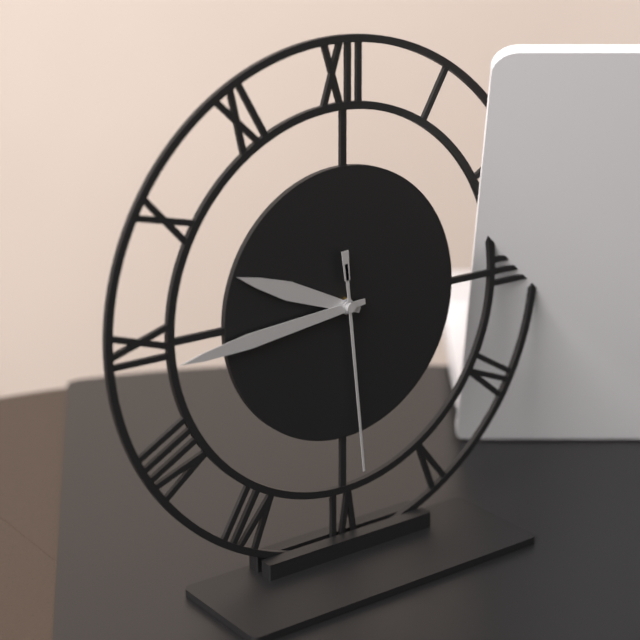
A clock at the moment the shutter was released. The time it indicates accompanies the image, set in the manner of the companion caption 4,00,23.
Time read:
9,44,29
